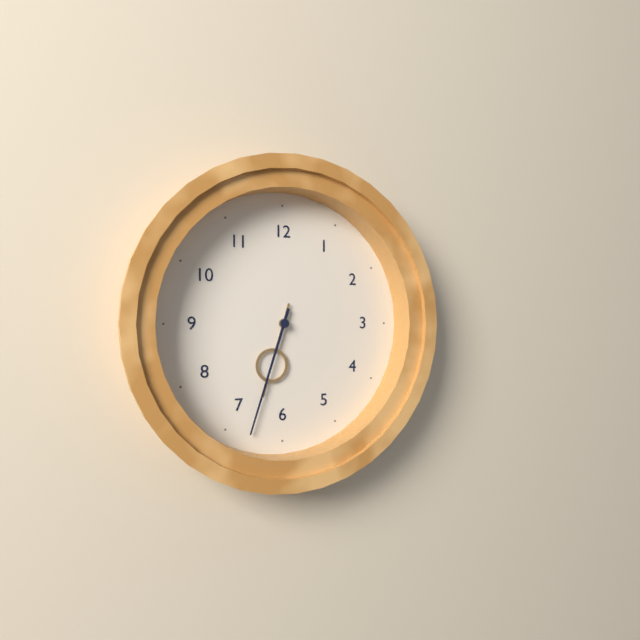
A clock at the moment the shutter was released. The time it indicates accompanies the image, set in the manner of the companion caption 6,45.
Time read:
6,33
